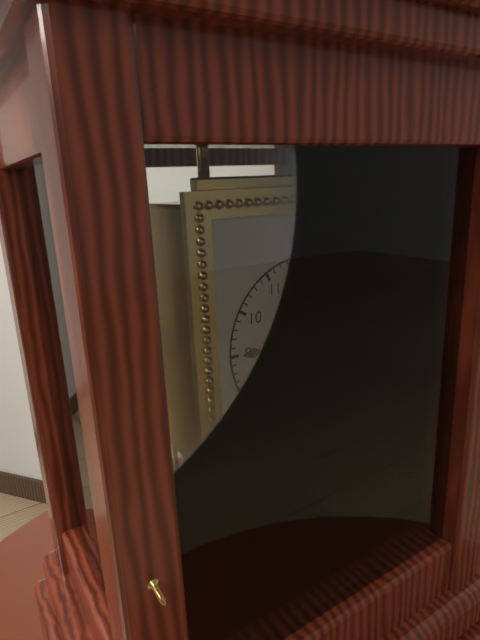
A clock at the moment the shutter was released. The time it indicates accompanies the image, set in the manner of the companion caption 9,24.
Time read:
1,45
